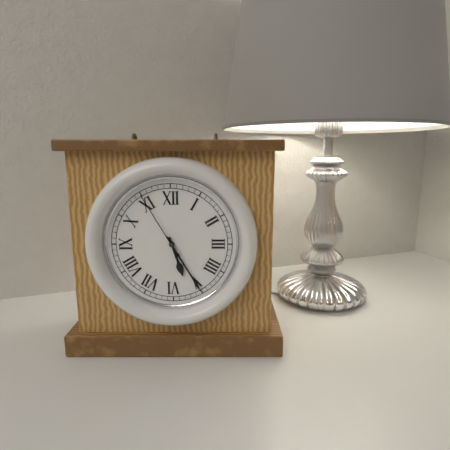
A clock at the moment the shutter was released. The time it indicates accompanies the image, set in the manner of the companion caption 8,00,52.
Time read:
5,25,55
